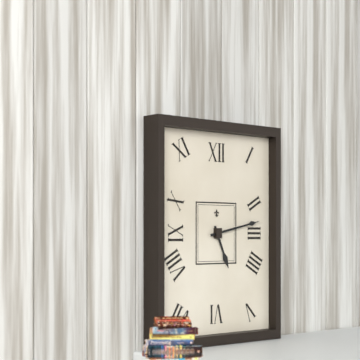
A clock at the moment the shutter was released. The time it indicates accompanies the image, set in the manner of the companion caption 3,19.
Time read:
5,13
